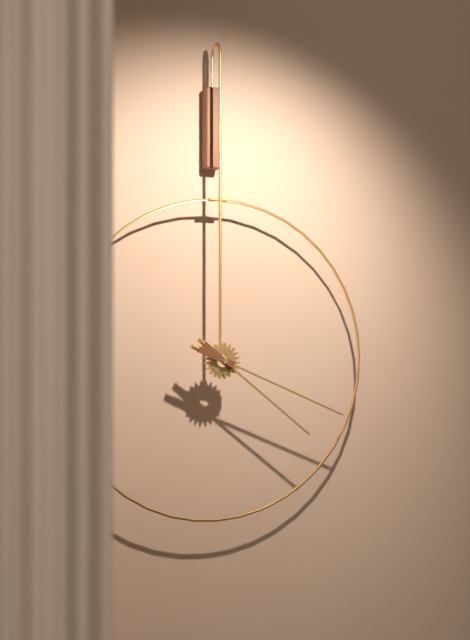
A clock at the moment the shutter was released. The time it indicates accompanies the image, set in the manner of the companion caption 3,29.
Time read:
4,19
